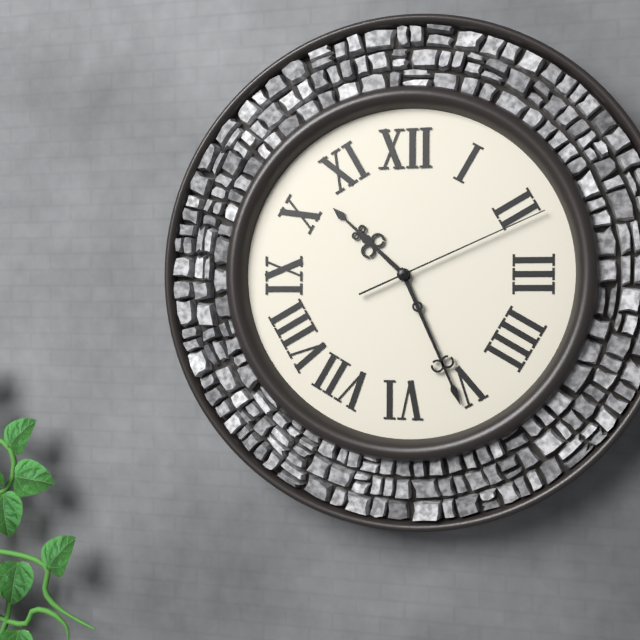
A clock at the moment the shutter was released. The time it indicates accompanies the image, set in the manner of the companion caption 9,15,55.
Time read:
10,26,11
